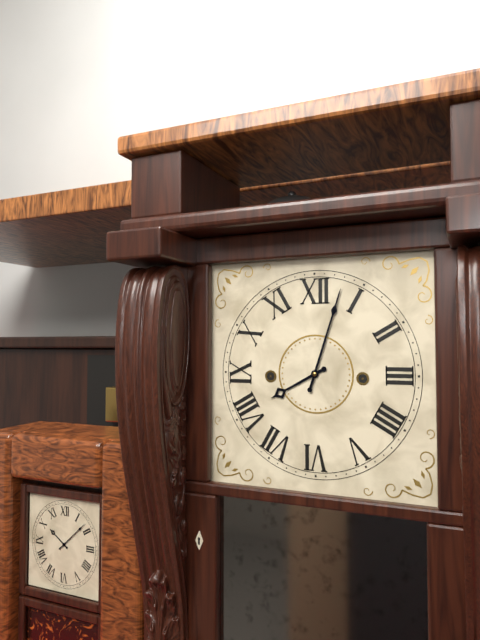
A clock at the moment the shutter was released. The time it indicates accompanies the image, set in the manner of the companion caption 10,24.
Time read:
8,03
